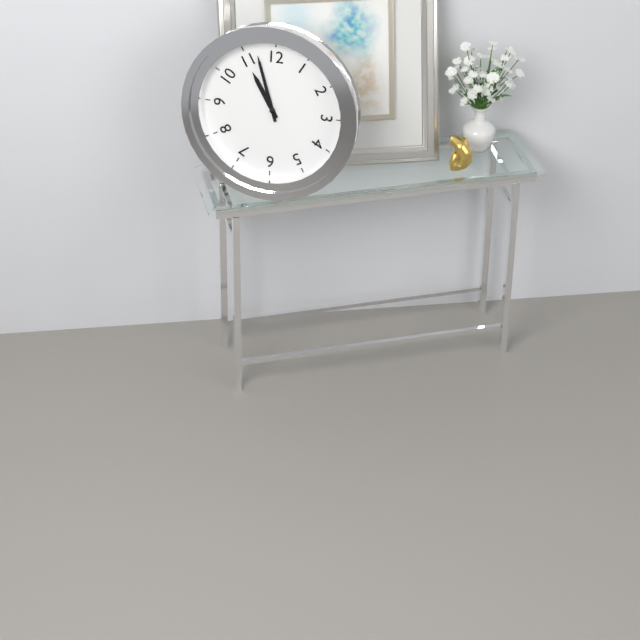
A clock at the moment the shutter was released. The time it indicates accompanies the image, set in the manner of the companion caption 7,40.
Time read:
10,57
